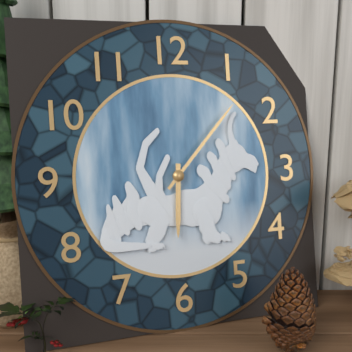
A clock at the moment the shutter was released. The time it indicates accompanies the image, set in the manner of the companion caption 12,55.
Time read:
6,07
